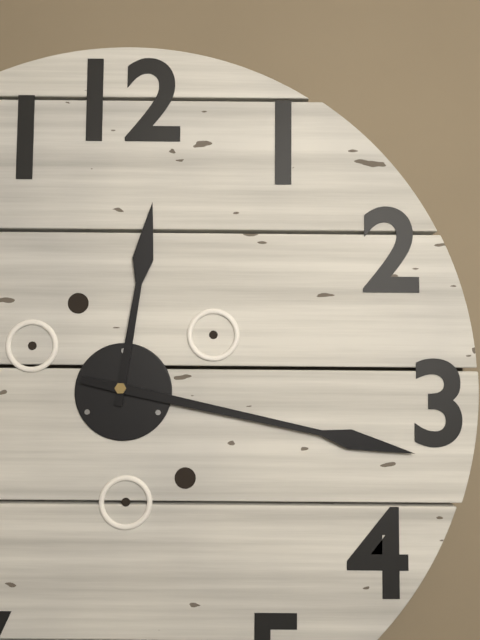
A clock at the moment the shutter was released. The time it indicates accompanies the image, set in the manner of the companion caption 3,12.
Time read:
12,17
